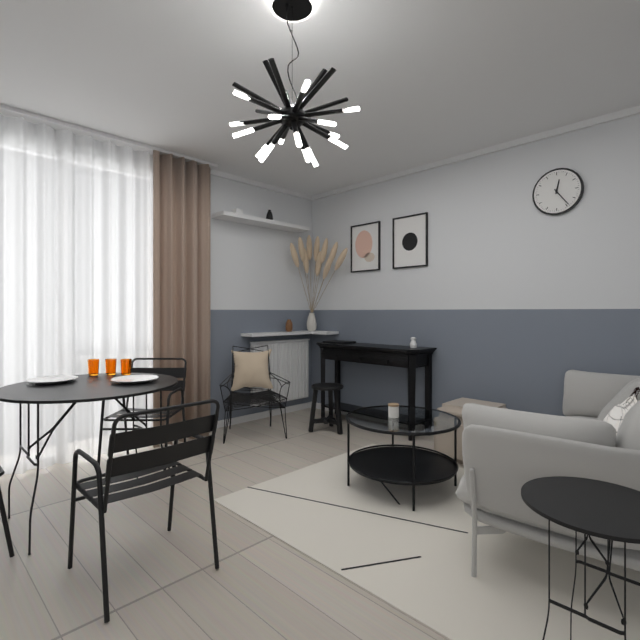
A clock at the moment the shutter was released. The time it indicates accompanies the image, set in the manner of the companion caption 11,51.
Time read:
12,24
